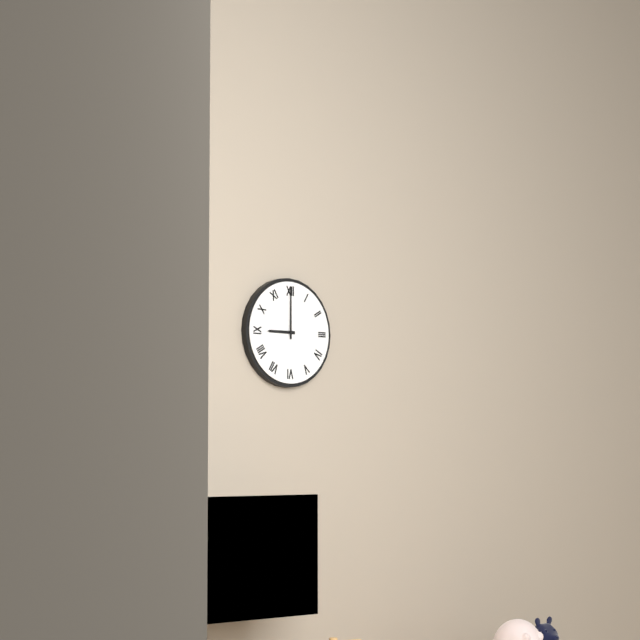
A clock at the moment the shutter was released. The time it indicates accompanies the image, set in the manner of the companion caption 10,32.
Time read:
9,00
